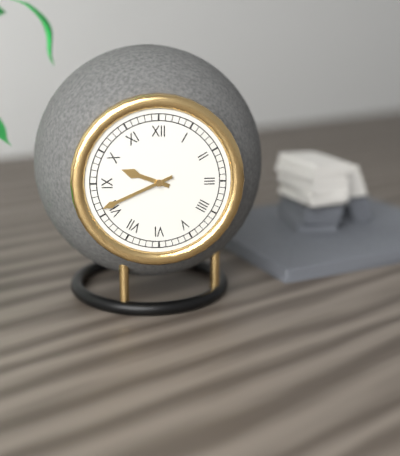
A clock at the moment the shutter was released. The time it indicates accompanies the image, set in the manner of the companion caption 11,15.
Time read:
9,41
